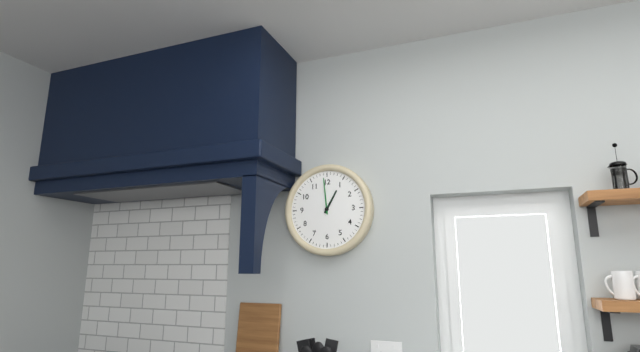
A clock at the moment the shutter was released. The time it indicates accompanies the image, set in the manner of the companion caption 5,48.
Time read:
12,59
